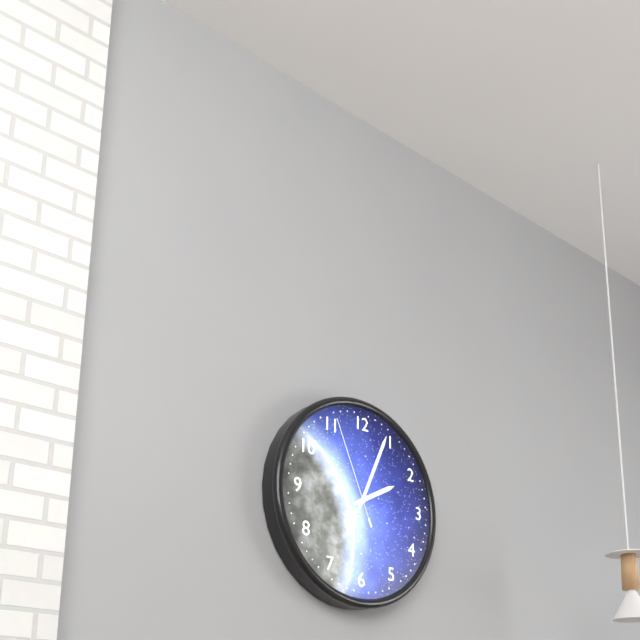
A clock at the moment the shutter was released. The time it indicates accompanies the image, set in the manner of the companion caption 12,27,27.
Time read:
2,04,56
